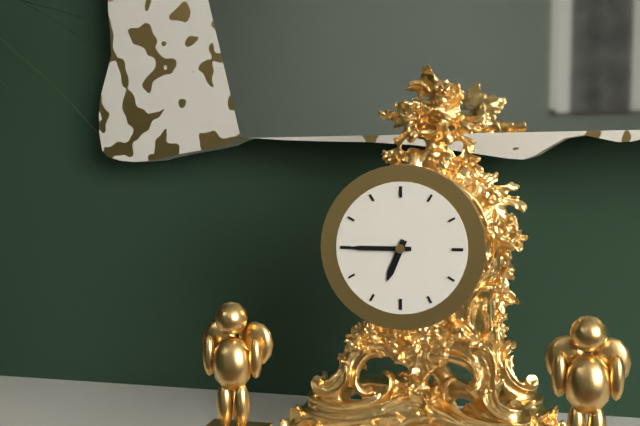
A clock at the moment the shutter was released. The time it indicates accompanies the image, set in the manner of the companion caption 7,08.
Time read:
6,45
